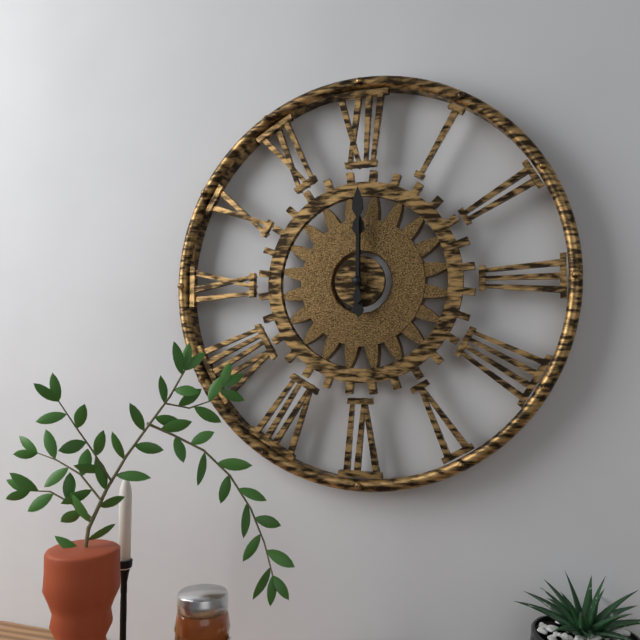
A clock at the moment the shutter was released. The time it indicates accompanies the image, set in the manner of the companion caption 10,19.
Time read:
12,00
